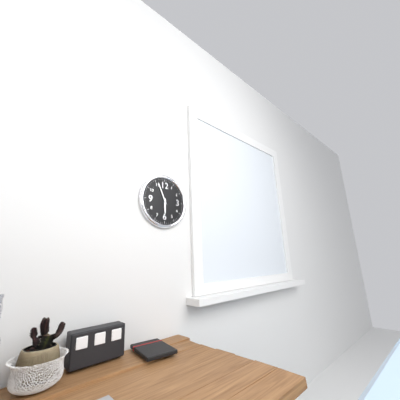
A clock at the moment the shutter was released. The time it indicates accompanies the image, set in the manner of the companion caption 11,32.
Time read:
5,56
